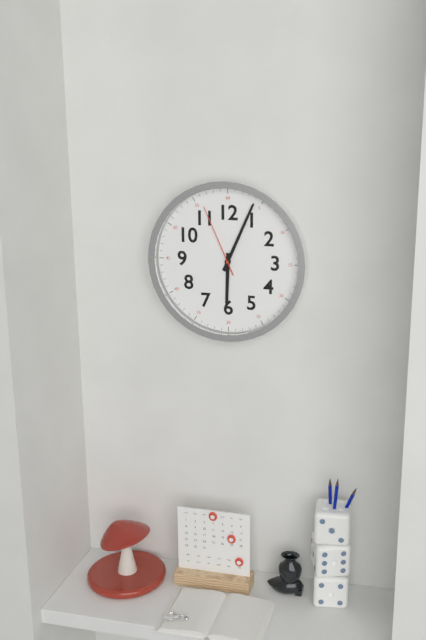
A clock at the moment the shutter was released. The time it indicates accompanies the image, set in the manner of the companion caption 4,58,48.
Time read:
6,04,56
